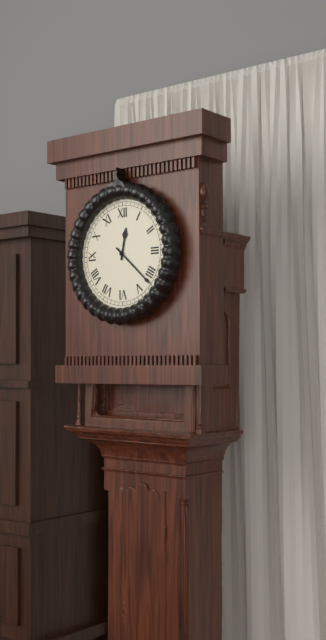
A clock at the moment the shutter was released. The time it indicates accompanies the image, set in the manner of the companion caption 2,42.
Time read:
12,22
